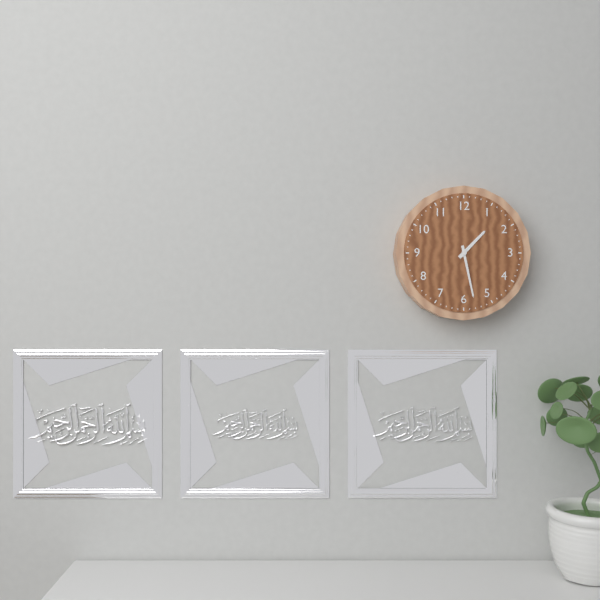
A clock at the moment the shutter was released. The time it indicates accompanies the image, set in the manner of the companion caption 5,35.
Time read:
1,28
